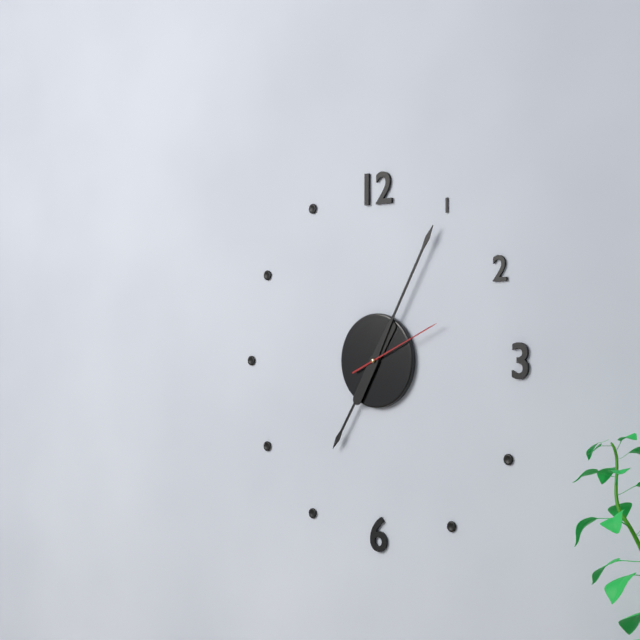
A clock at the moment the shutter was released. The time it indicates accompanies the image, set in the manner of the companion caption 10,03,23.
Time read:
7,05,11
